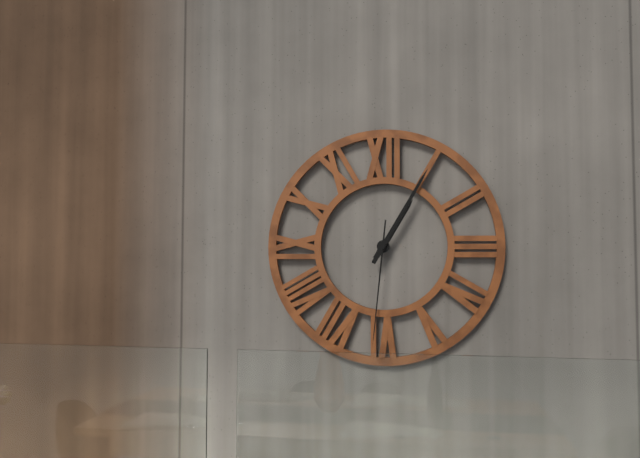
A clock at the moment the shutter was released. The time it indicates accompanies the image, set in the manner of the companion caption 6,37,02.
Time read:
1,05,31
